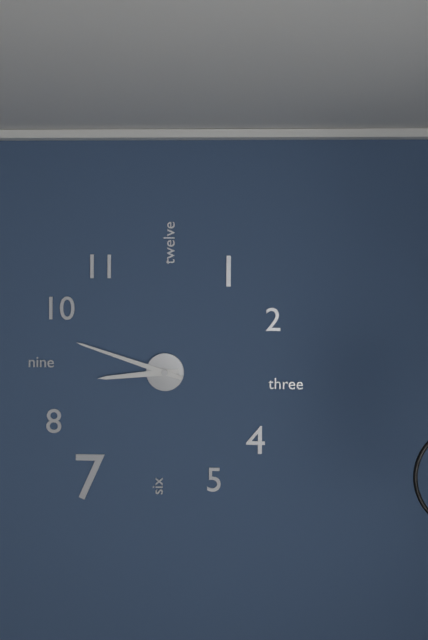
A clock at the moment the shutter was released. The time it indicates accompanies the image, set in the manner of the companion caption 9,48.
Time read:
8,48
